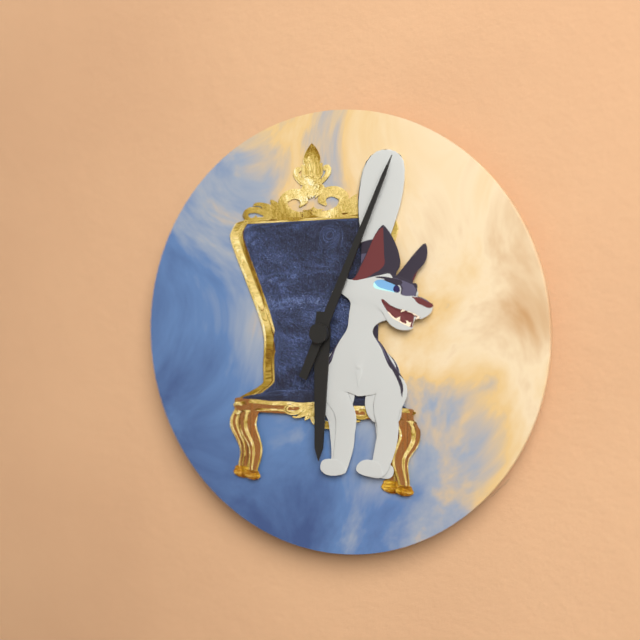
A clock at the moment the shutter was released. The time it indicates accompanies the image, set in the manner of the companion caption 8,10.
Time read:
6,04
